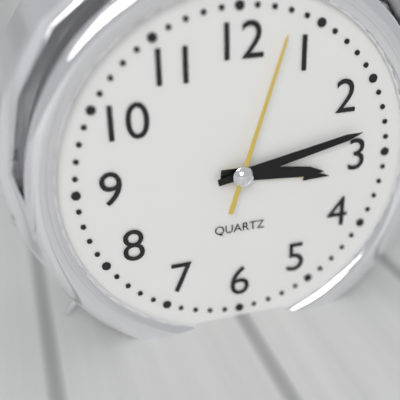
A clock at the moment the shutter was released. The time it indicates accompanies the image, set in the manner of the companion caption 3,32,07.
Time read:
3,13,03
